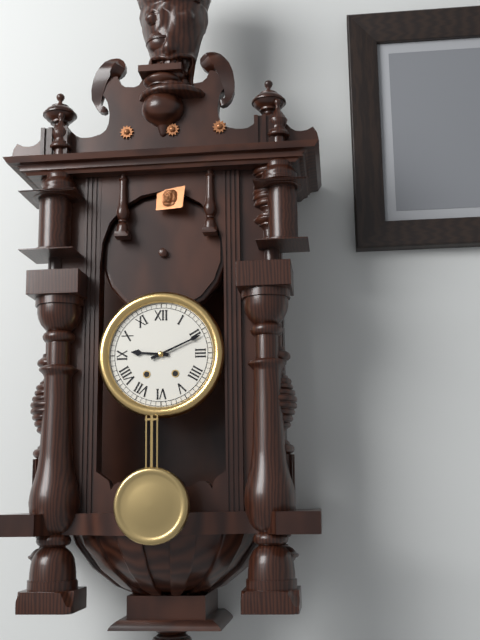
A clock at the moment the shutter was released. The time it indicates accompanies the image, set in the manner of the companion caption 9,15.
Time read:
9,11
